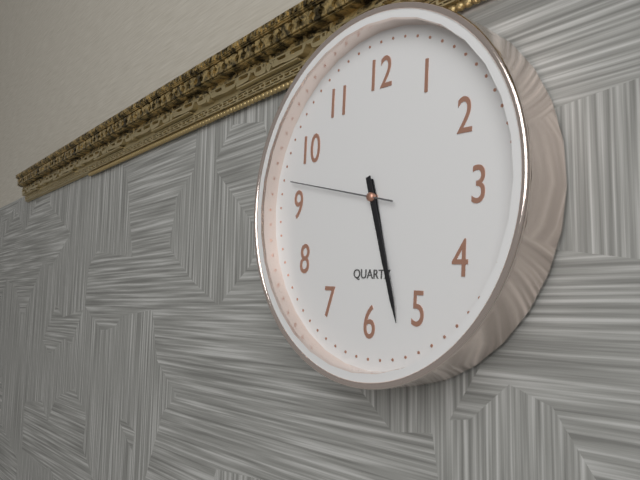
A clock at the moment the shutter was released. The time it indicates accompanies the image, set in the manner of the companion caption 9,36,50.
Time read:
5,27,47
